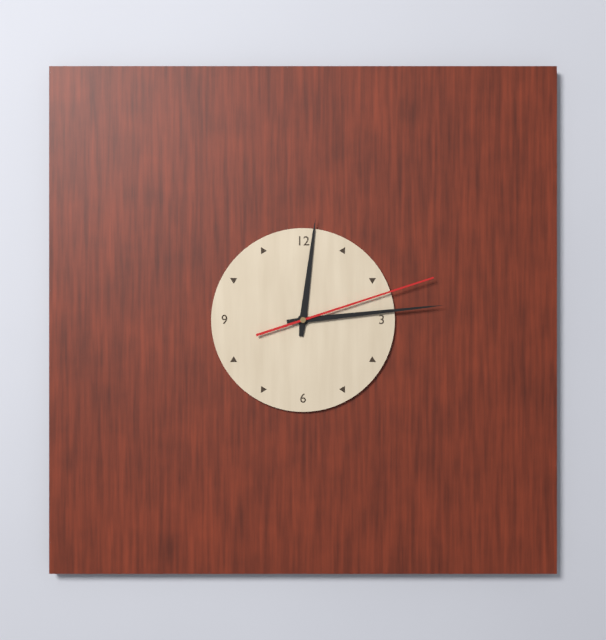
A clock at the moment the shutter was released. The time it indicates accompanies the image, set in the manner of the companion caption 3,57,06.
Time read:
12,14,12
